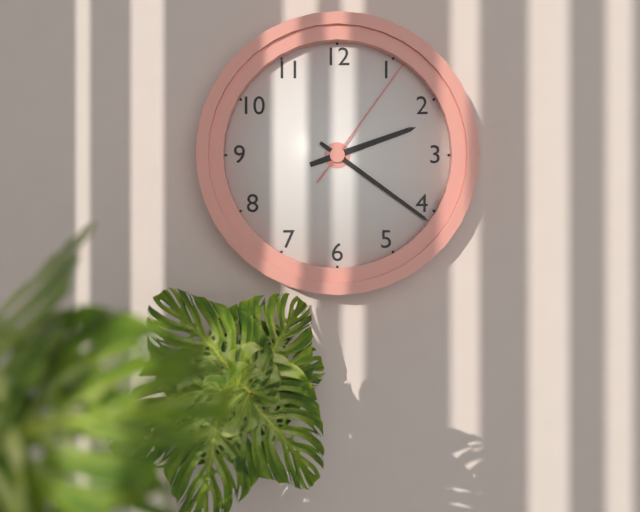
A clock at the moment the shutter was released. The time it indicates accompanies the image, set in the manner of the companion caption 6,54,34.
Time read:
2,21,06
